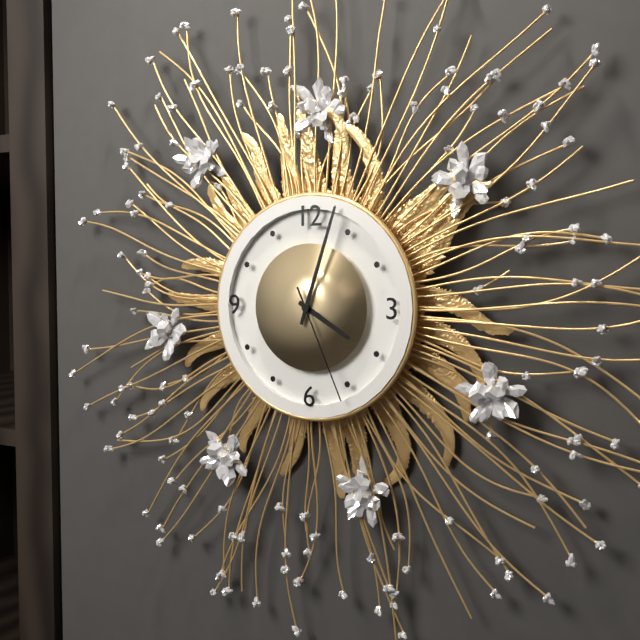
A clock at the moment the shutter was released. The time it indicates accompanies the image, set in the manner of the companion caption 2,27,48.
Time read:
4,03,26
